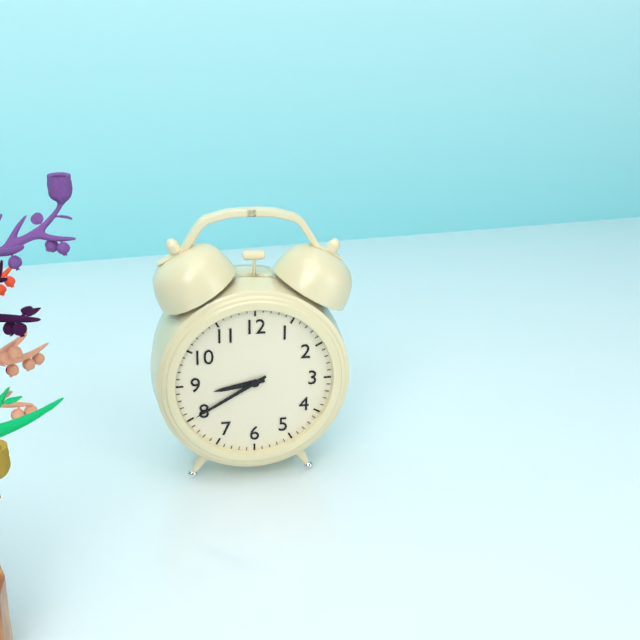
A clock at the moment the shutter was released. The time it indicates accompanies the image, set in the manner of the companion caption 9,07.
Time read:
8,40
